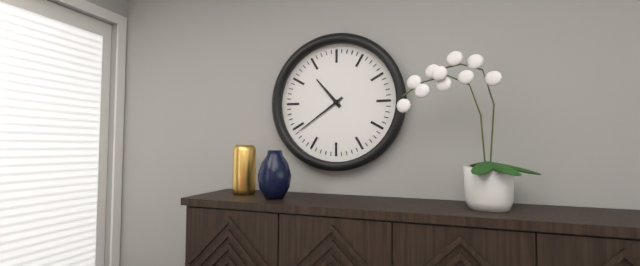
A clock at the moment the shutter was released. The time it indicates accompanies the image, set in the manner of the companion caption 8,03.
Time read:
10,39
